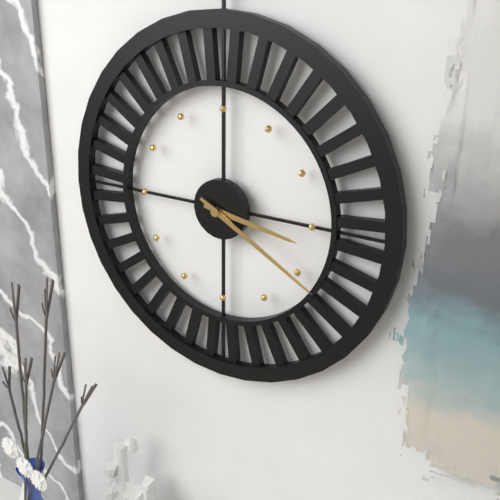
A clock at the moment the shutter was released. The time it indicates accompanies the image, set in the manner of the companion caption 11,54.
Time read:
3,20
